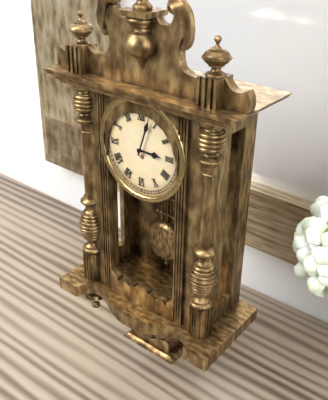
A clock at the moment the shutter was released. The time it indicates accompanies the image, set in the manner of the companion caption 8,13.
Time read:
3,03
